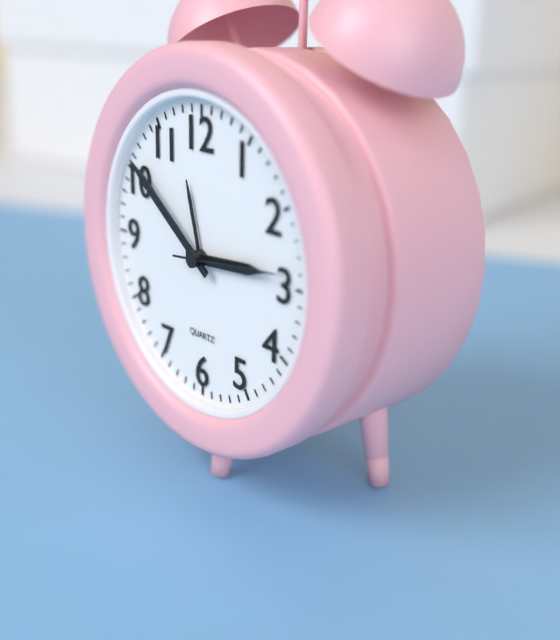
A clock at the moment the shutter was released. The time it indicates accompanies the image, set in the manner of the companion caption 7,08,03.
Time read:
2,51,14
